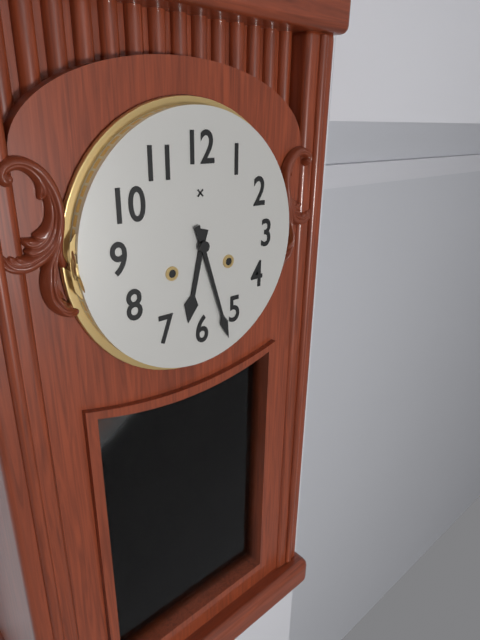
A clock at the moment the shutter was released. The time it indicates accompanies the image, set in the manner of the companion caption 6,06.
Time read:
6,27
